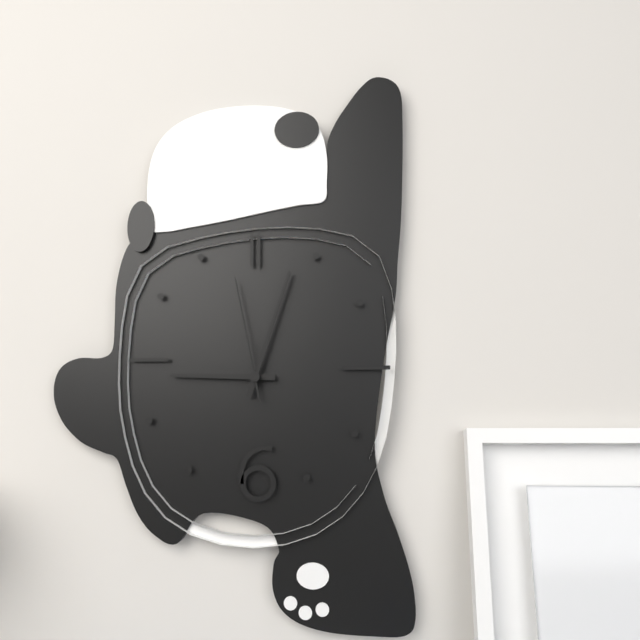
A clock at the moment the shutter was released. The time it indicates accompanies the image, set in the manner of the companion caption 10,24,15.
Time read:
9,03,58
